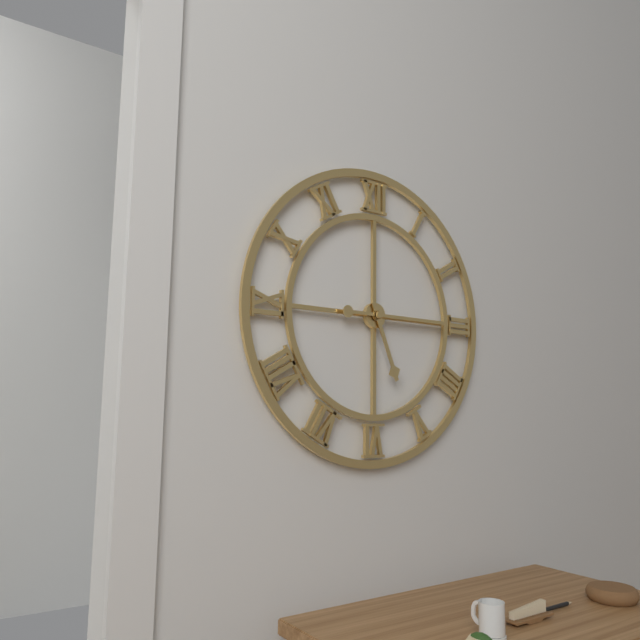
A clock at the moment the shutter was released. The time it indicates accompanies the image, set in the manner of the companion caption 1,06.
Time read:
5,15
